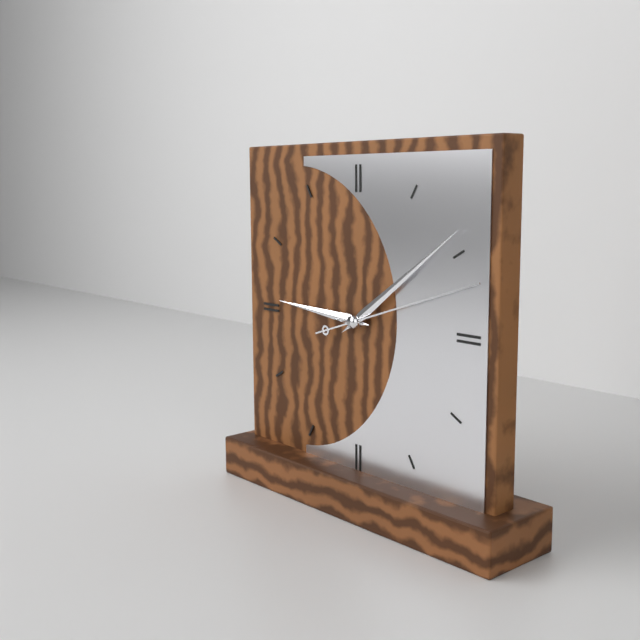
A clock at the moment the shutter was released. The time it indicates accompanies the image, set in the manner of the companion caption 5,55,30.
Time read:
9,09,12
